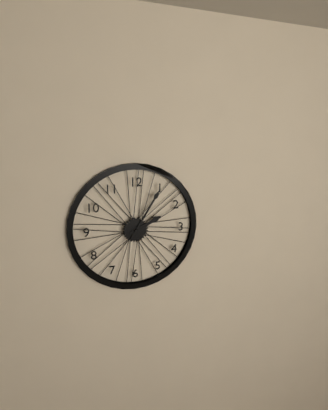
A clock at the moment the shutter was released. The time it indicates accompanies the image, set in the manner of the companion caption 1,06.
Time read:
2,05
